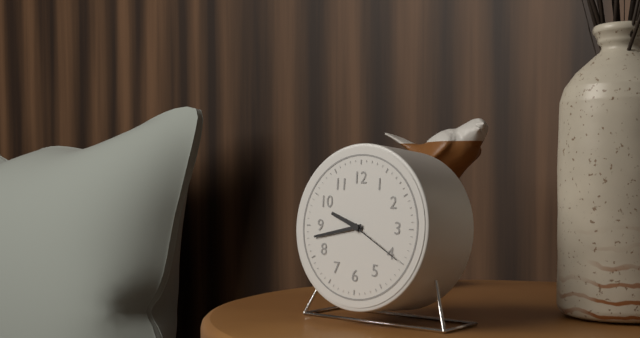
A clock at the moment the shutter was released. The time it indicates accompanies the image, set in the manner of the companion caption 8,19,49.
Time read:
9,43,20
